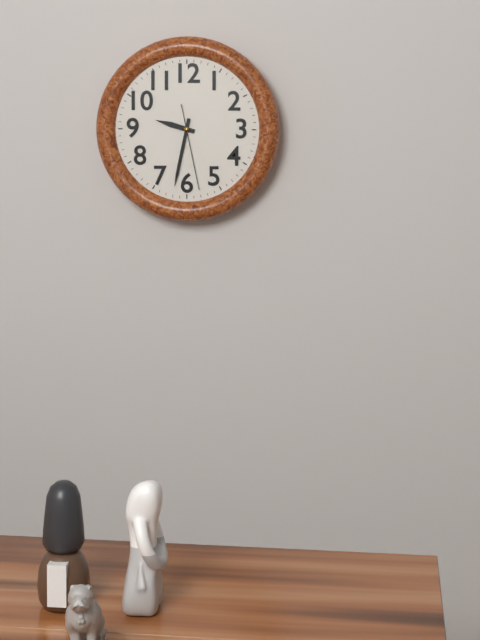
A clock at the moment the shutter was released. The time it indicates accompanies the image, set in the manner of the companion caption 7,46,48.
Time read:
9,32,28
